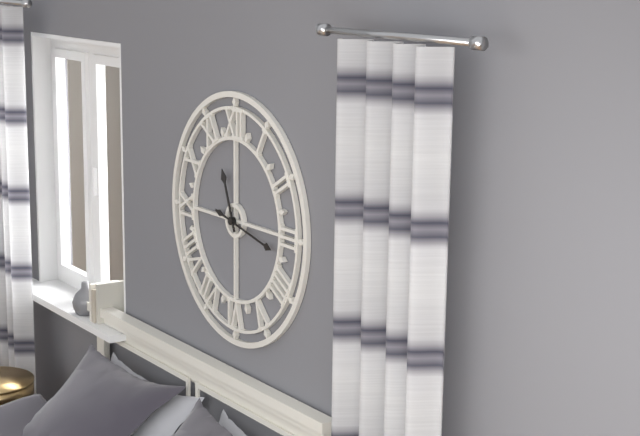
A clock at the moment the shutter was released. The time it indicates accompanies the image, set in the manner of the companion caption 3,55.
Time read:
11,17
